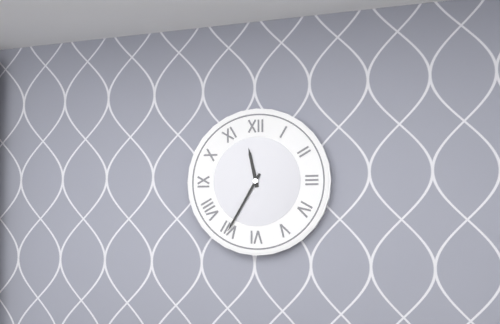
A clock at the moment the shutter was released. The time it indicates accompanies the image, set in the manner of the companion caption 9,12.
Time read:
11,35
